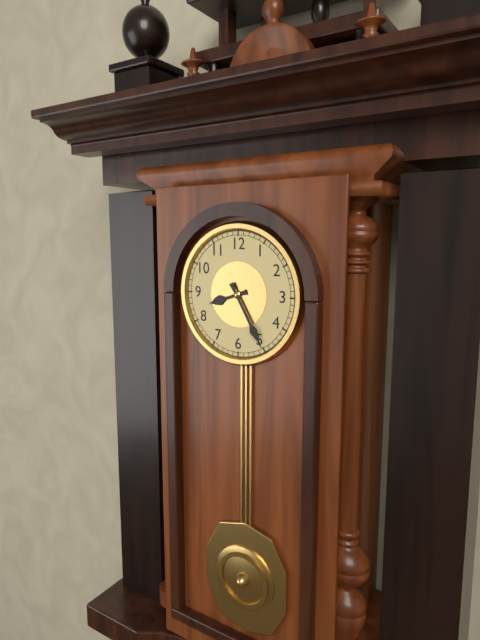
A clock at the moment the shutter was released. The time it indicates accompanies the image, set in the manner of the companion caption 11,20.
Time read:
8,25
